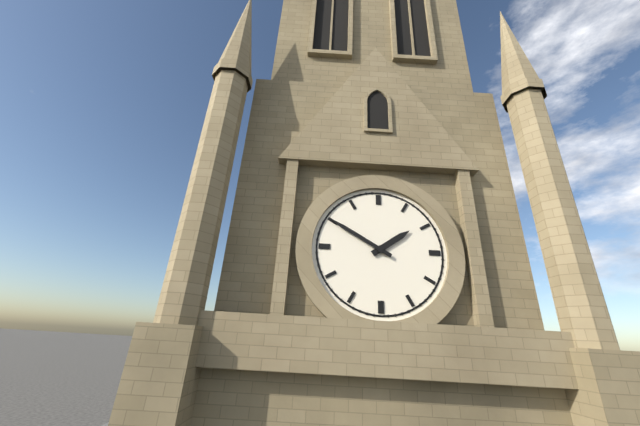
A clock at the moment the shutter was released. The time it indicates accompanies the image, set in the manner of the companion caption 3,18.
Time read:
1,50
